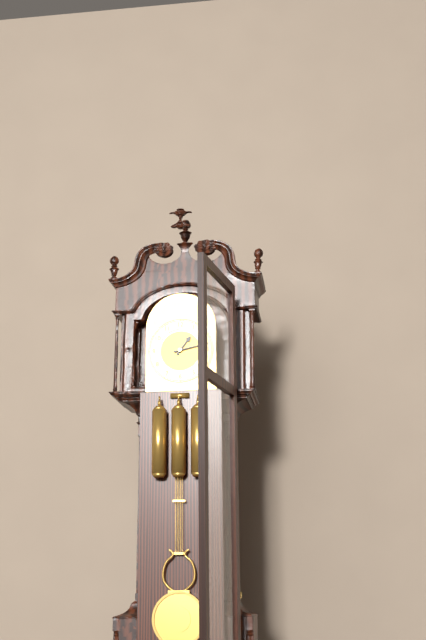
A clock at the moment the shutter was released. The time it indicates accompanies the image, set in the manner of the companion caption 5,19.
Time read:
1,13
